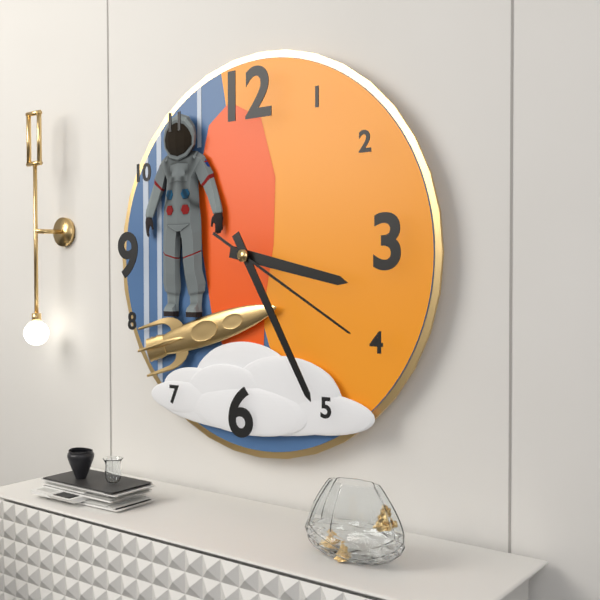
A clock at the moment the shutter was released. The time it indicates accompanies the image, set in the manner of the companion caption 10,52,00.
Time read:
3,25,20
